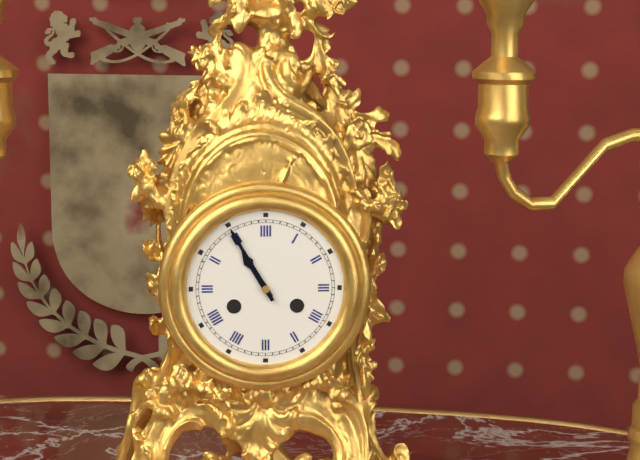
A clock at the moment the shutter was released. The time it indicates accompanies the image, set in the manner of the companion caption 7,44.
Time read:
10,55
